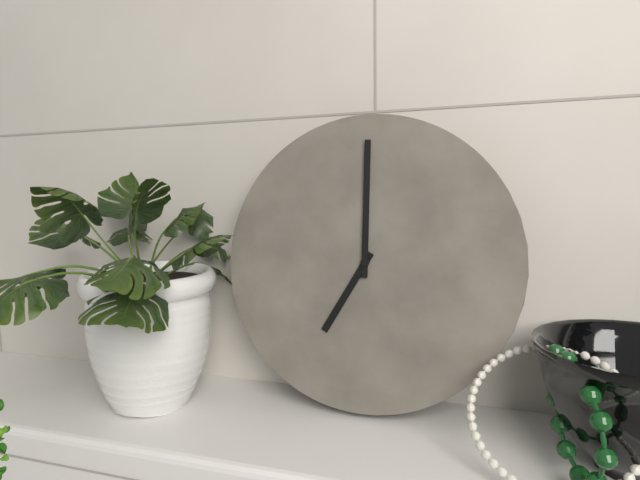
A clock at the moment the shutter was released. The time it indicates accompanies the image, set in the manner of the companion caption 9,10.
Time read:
7,00
